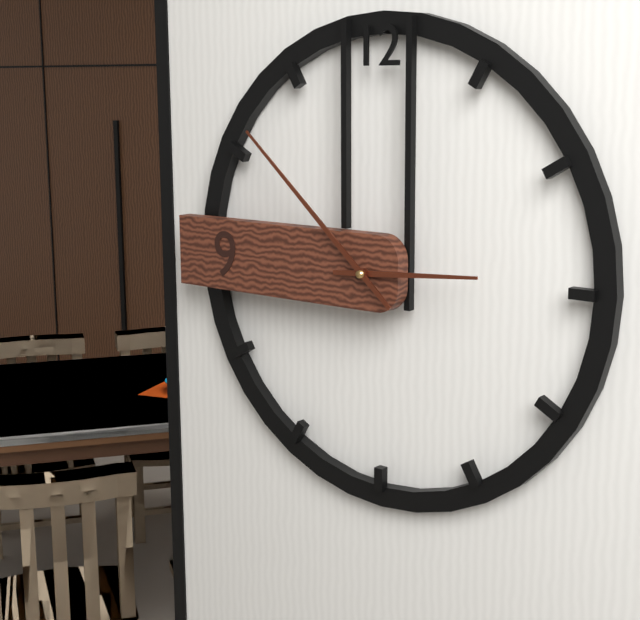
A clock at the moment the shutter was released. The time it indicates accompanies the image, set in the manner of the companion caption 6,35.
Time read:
2,52
